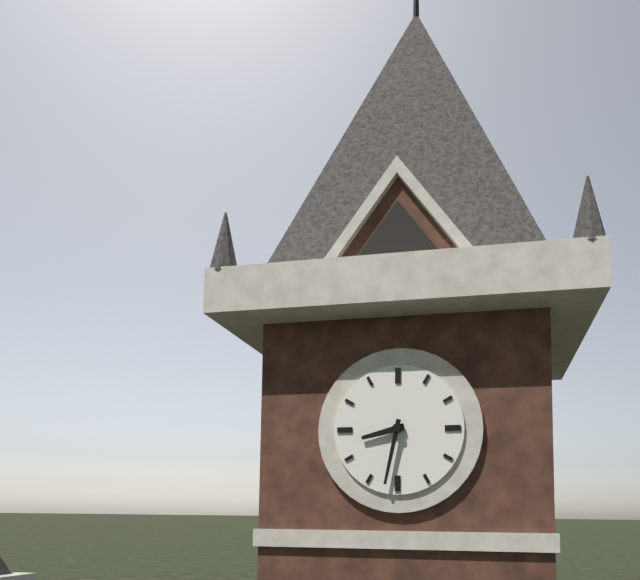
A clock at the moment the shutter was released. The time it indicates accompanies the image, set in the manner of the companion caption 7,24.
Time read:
8,32
